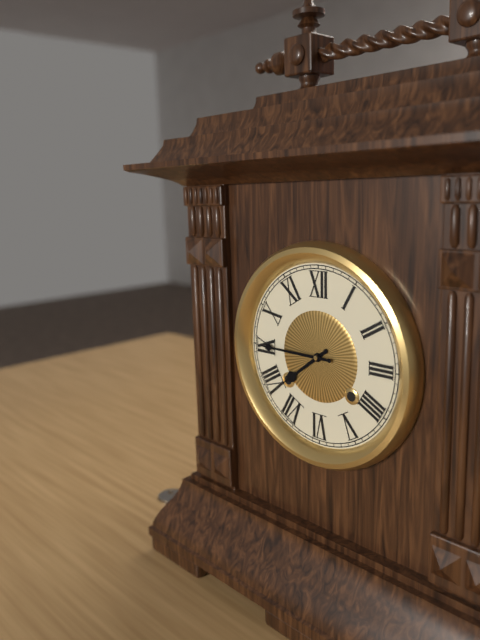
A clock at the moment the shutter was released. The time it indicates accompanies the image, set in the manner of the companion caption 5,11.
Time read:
7,45
